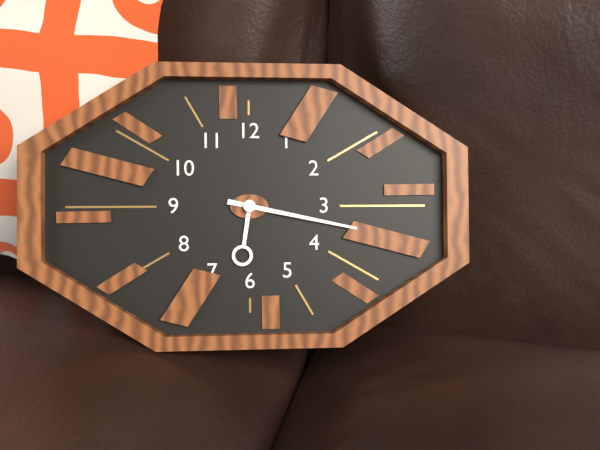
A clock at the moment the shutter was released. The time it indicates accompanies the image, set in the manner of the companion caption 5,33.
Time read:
6,17
